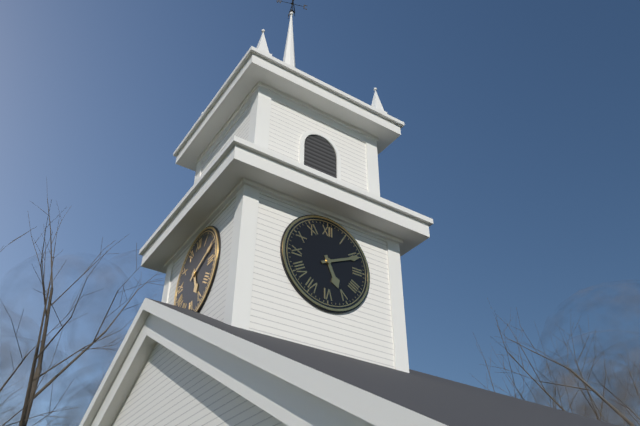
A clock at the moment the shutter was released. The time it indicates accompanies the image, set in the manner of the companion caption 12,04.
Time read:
5,11
